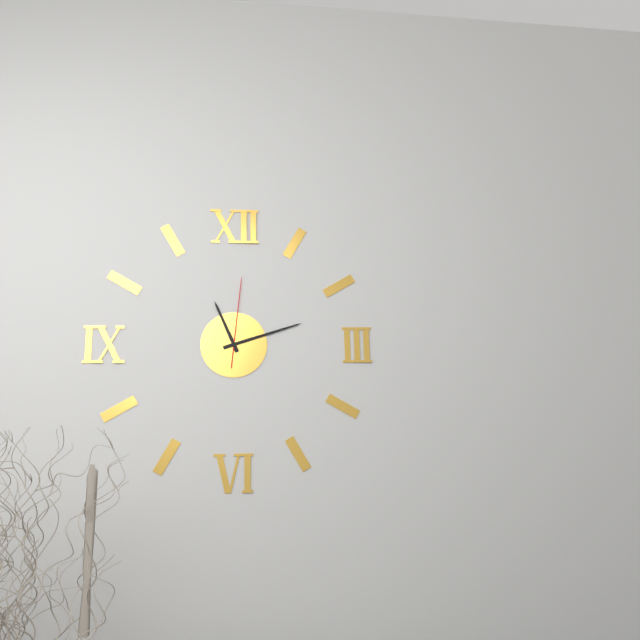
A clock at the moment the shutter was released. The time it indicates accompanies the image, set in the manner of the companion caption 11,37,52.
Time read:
11,12,01
